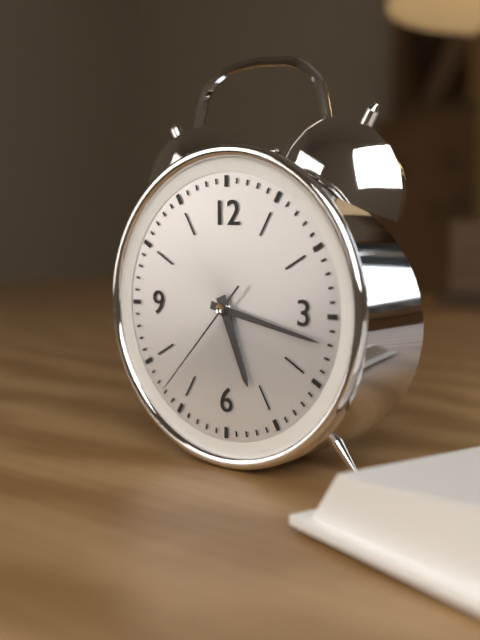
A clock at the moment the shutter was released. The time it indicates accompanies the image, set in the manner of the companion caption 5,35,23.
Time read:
5,17,37
